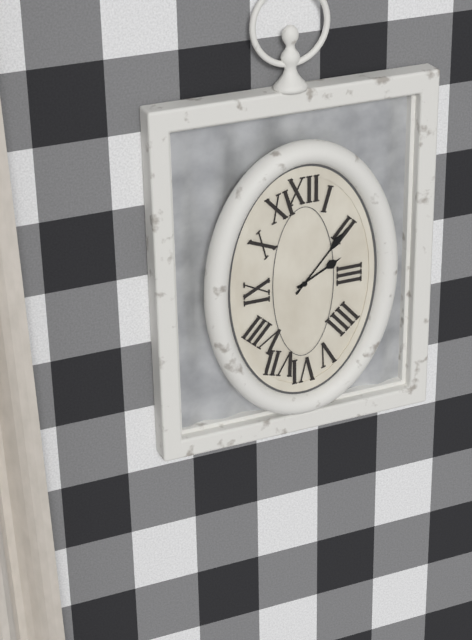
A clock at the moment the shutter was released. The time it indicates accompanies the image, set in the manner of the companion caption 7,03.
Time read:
2,07
